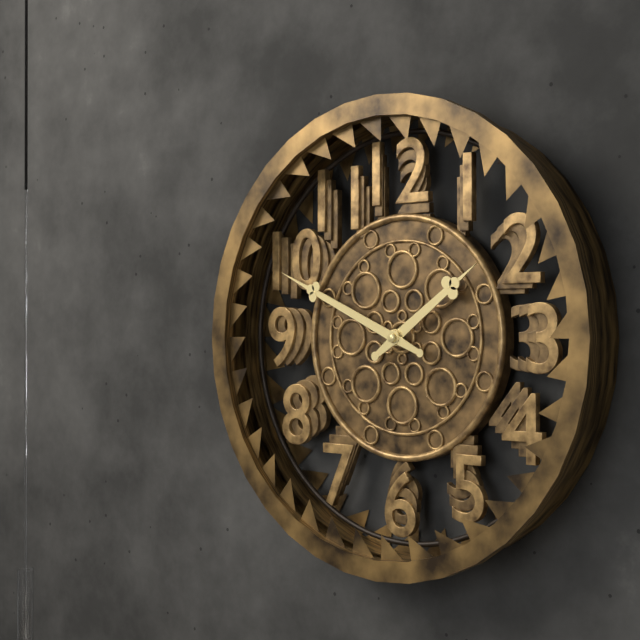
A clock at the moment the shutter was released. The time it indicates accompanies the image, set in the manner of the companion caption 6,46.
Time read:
1,49
